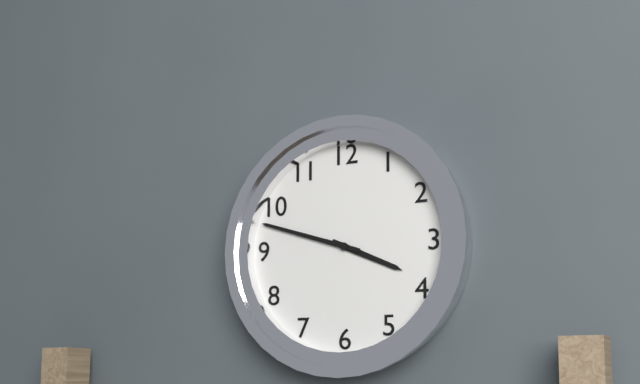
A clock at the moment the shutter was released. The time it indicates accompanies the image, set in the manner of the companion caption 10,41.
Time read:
3,48
